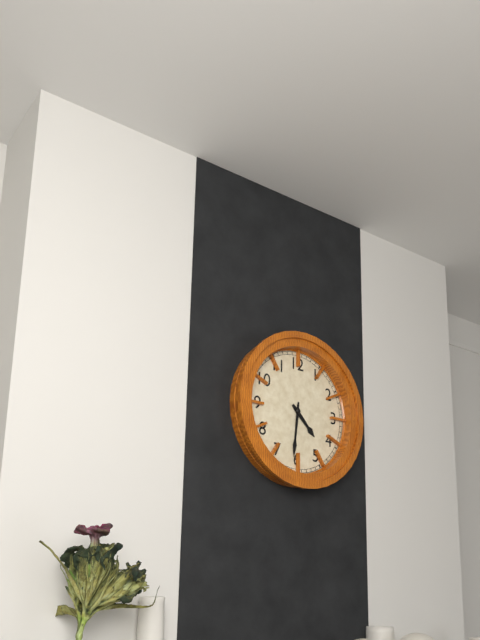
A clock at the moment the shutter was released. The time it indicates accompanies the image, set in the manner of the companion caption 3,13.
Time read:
4,31
